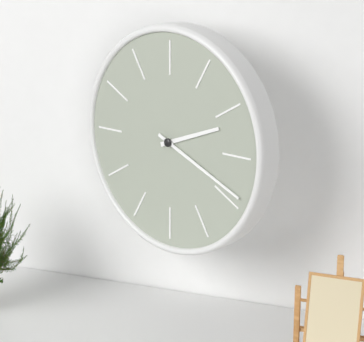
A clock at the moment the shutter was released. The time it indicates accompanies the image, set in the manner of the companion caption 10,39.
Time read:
2,19
